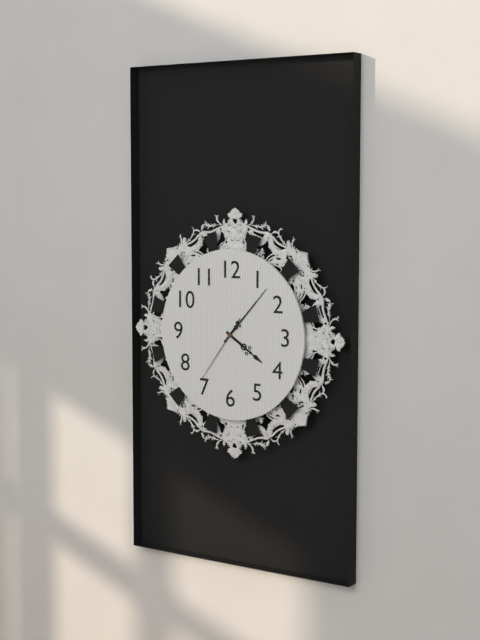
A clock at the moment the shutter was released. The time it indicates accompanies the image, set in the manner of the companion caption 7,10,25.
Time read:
4,07,36
